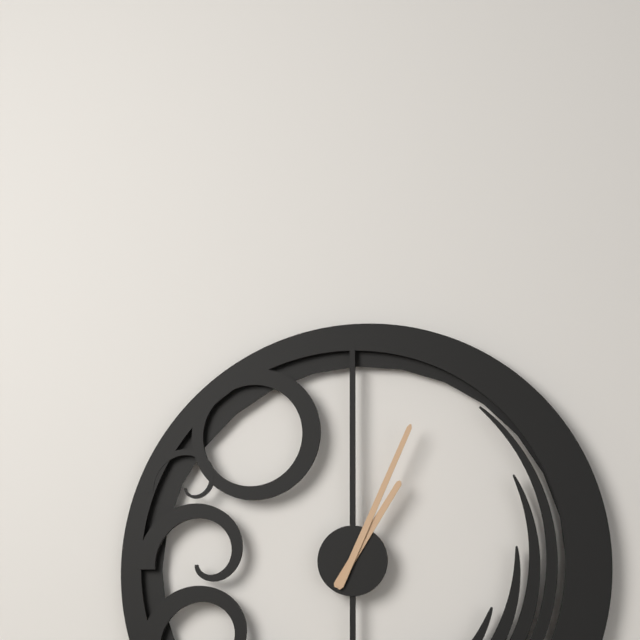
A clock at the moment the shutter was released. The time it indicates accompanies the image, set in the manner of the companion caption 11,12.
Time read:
1,04
